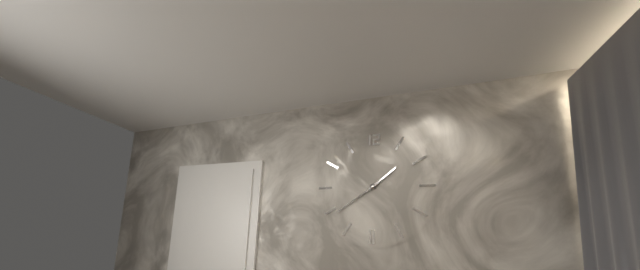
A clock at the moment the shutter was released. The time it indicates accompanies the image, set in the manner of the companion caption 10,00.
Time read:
1,39
